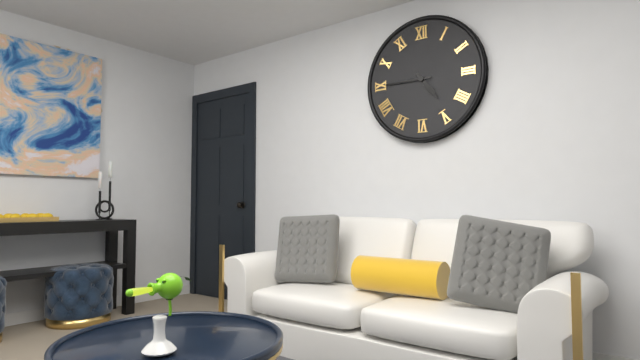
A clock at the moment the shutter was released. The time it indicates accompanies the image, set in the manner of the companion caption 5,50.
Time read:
4,45
